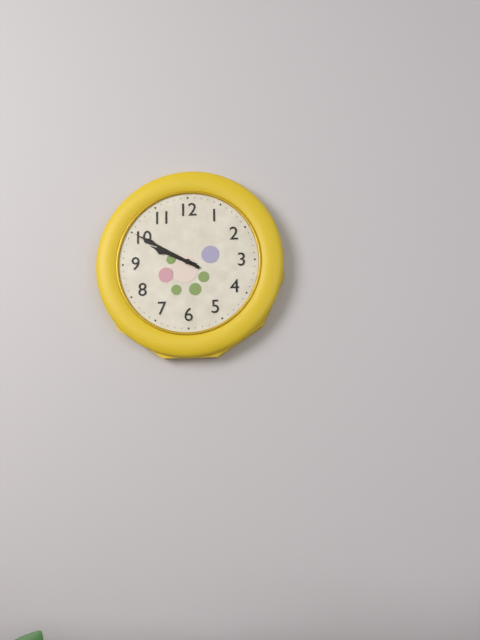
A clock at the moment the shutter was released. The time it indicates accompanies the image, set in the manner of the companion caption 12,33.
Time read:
9,50
